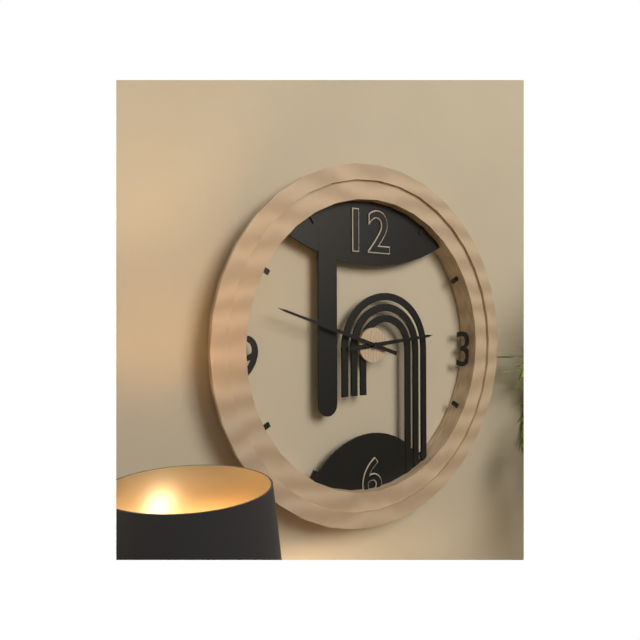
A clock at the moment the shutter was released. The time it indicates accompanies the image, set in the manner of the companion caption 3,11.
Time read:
2,48
